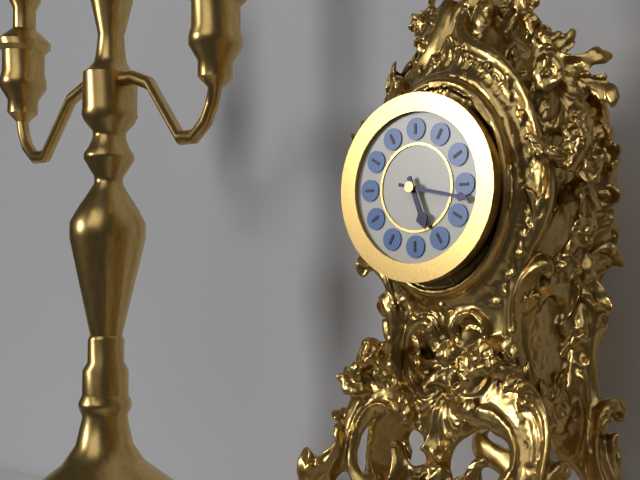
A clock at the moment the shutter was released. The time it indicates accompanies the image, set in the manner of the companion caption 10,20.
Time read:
5,17
